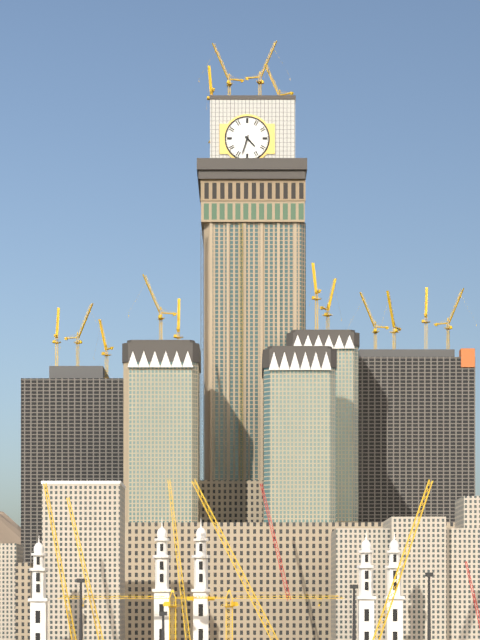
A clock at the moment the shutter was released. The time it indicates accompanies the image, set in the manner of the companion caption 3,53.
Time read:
4,33
